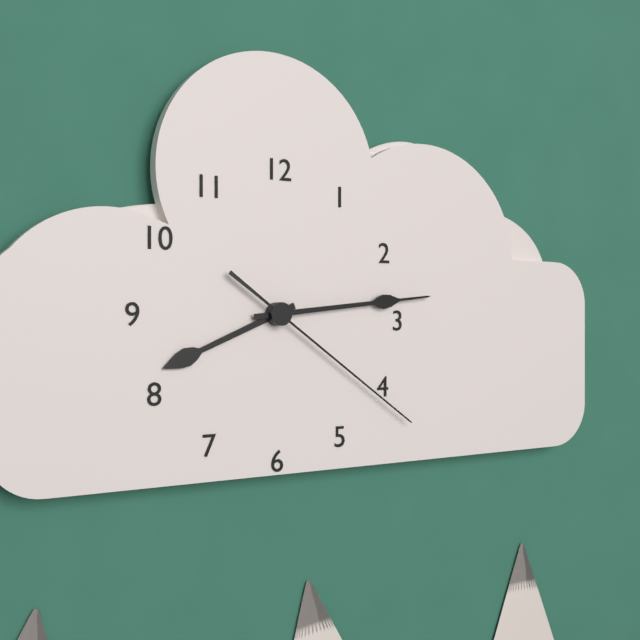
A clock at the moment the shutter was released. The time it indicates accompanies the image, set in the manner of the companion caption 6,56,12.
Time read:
8,14,21
